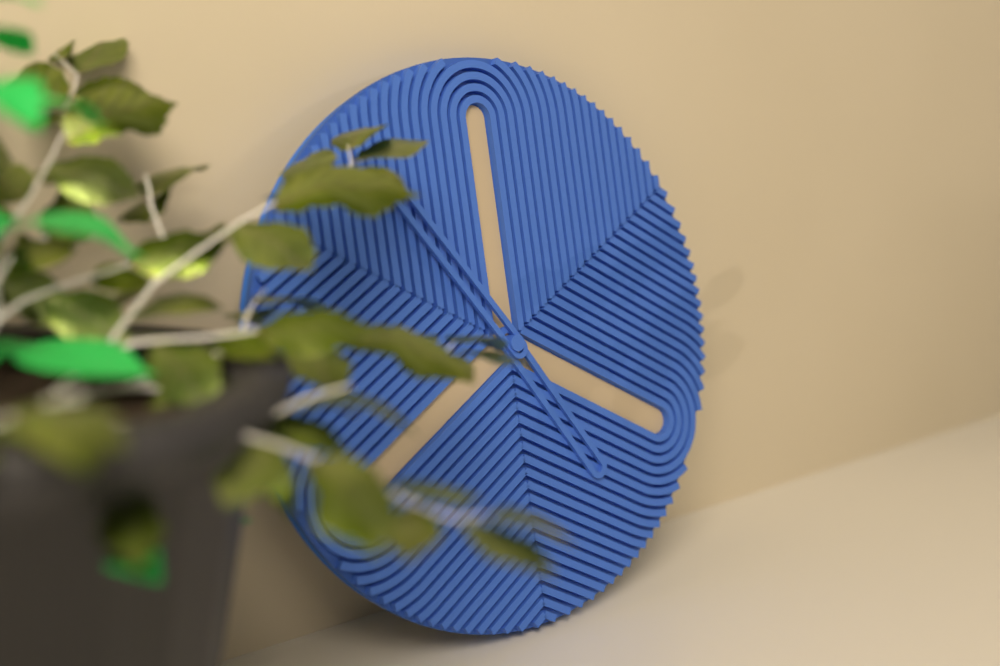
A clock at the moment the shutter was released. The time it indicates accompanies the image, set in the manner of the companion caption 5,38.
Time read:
4,54
